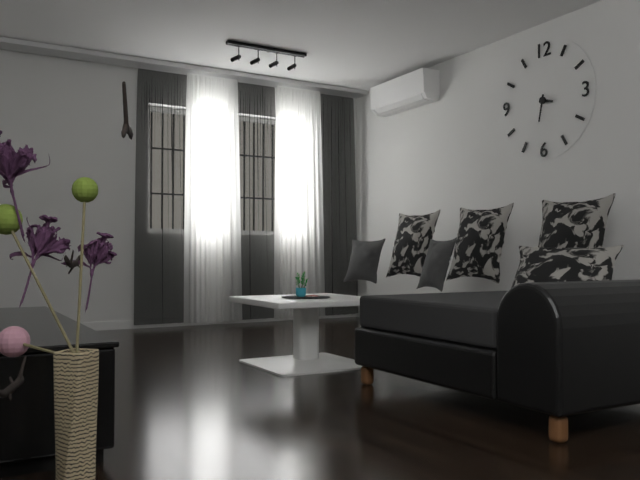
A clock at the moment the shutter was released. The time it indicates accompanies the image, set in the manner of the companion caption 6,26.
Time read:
3,32
